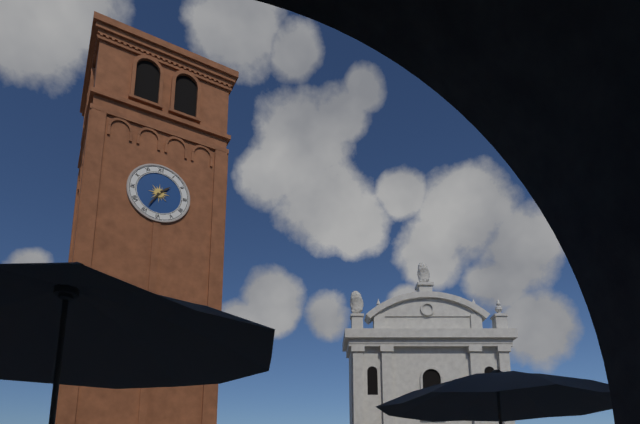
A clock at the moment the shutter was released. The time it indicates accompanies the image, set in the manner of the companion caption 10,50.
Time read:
1,35
